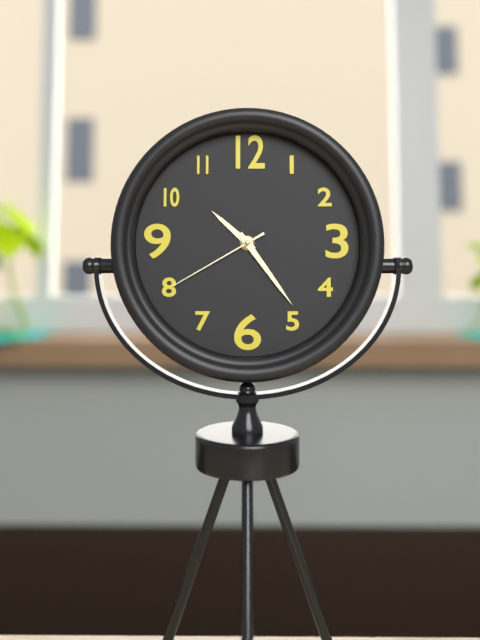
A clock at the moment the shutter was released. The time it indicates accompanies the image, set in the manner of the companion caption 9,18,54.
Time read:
10,24,40
